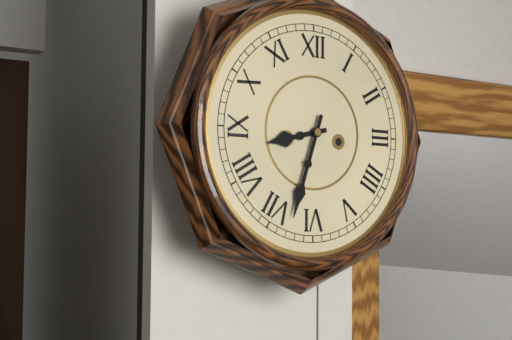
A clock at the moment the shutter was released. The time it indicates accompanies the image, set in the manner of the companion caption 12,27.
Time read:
8,33
